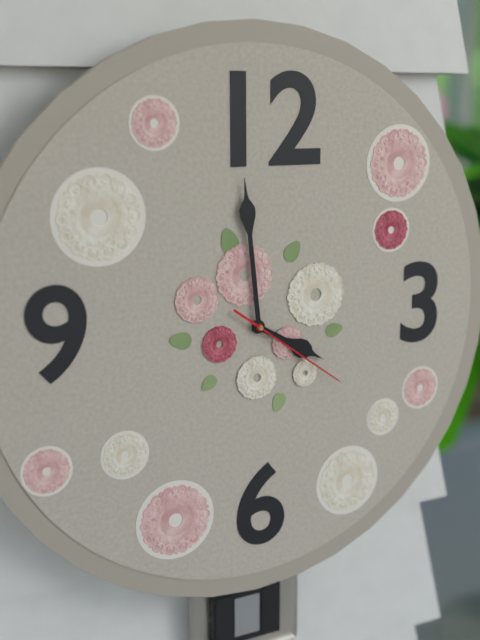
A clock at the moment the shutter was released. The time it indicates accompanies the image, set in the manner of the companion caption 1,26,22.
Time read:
3,59,21
